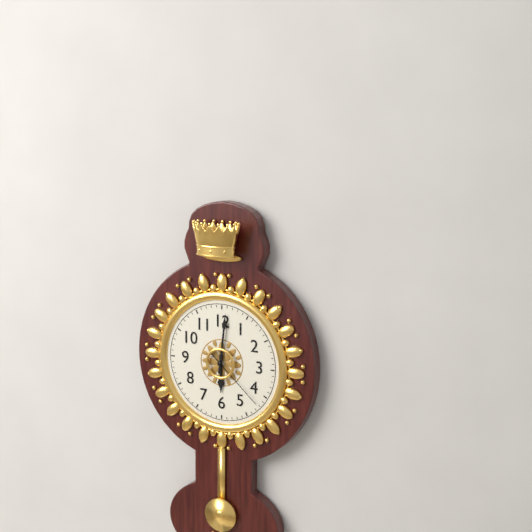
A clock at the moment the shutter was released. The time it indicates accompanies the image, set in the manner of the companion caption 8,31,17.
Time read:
6,01,22
